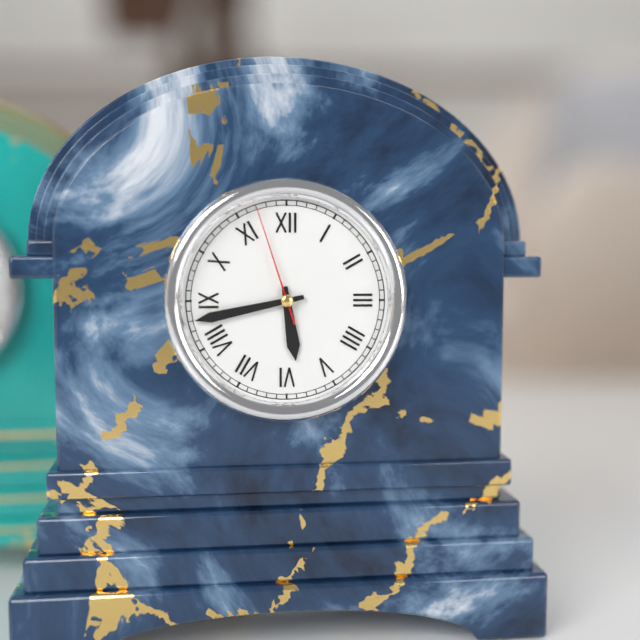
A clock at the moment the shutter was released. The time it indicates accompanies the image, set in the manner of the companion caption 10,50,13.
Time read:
5,43,57
